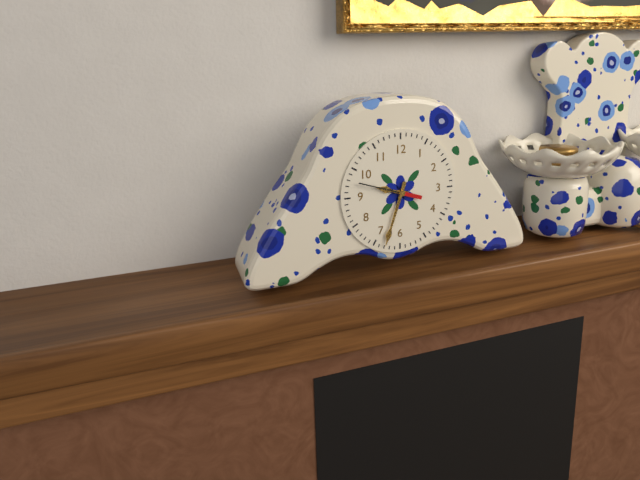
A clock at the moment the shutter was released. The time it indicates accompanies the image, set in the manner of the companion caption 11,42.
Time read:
9,33
